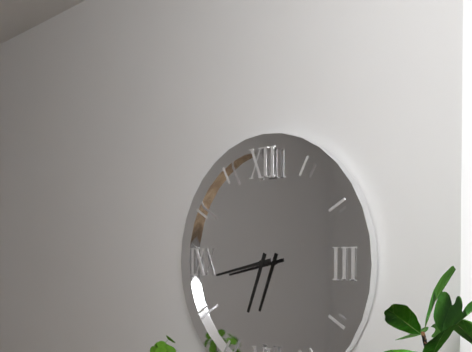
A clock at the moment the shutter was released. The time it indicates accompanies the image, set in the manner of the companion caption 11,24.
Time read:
6,43
